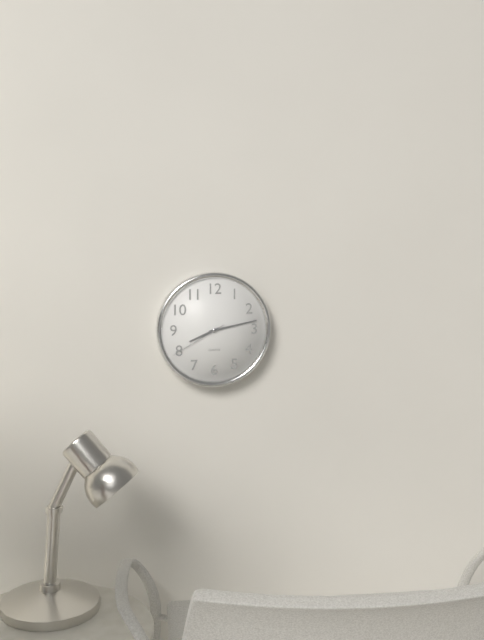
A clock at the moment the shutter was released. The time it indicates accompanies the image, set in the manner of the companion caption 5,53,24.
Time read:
8,13,40
